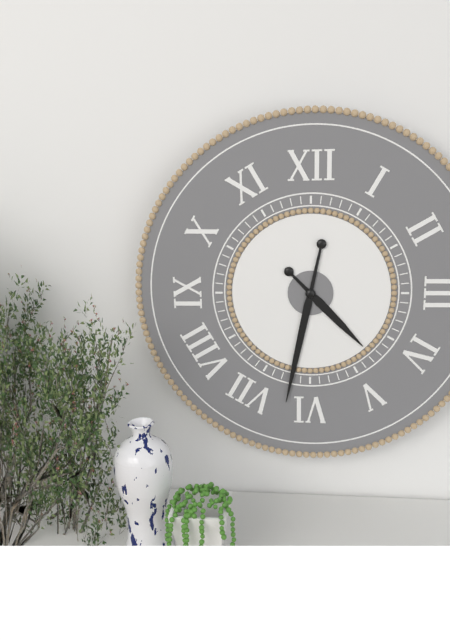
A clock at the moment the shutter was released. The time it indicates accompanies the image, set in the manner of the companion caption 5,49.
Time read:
4,32
